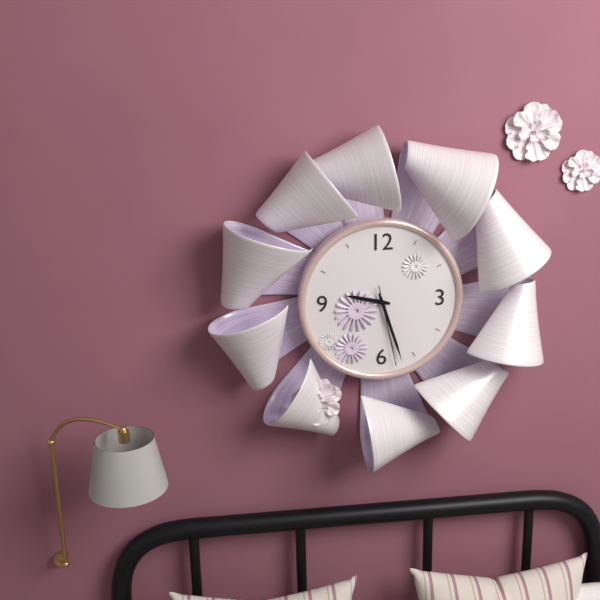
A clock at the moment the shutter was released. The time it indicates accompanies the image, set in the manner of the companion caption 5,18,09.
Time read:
9,27,28
